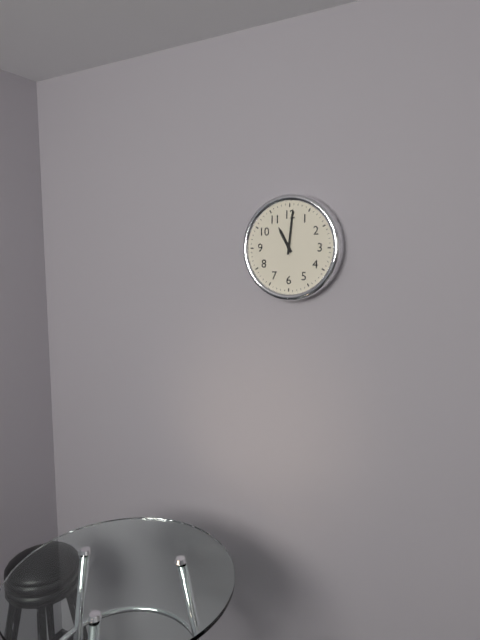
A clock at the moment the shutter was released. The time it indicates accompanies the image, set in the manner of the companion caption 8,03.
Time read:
11,01
